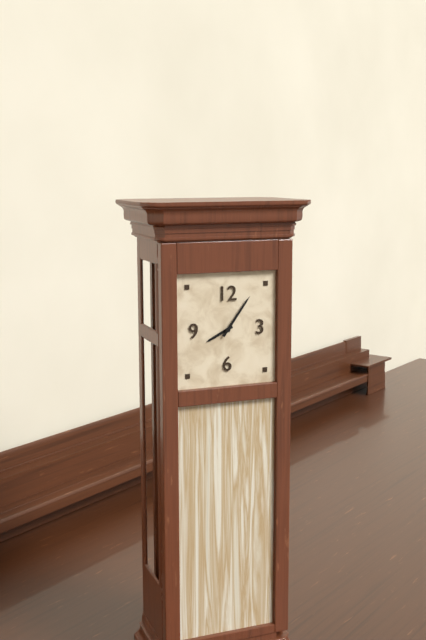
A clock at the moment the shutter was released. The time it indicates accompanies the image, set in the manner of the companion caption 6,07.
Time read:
8,06
